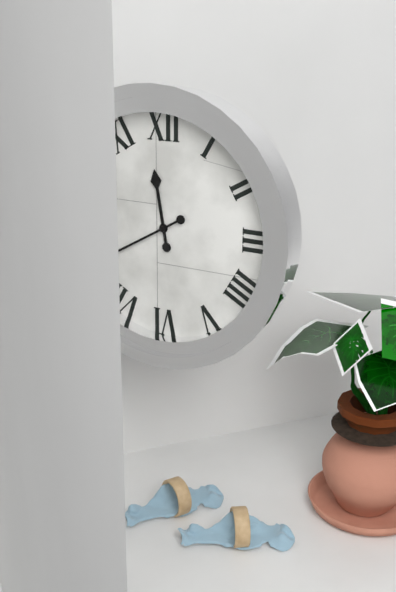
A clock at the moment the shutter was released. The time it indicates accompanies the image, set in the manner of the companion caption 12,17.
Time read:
11,40
